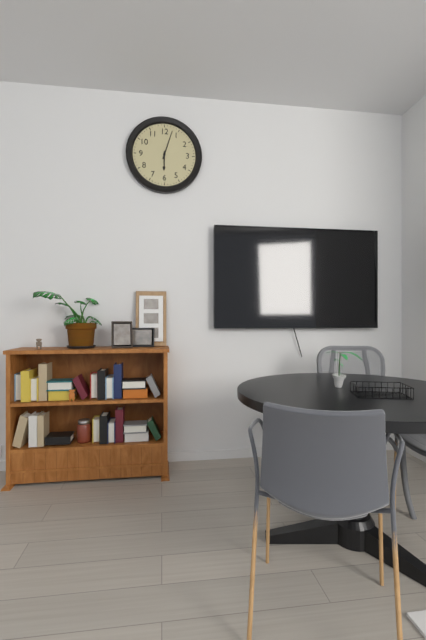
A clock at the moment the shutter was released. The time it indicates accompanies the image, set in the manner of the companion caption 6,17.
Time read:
6,03
